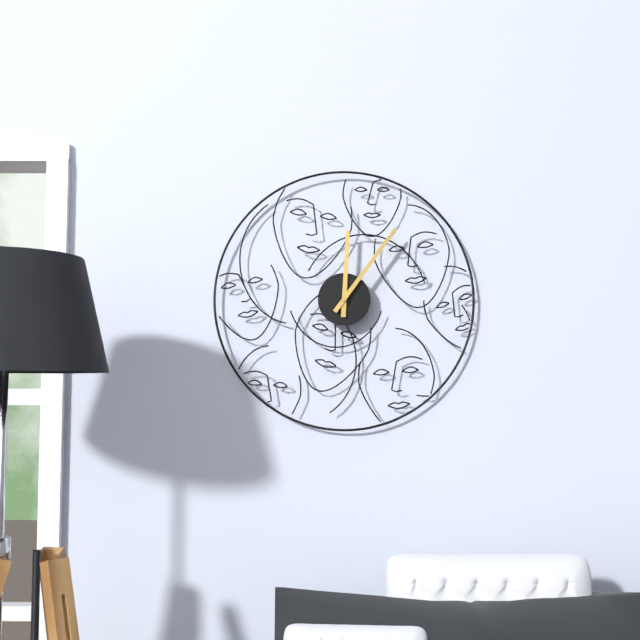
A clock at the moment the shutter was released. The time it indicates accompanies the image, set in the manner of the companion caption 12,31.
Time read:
12,06
